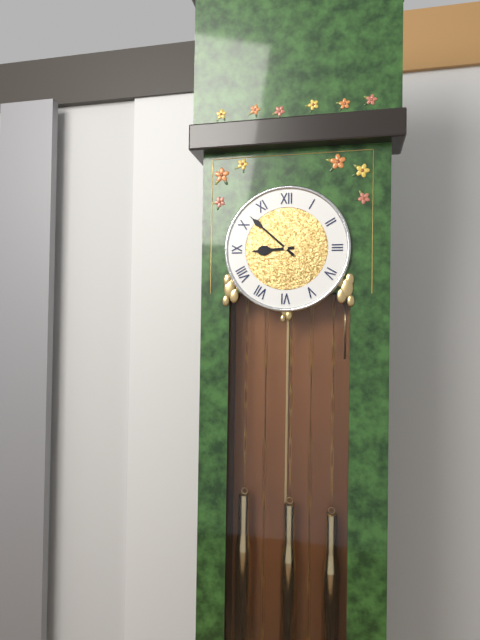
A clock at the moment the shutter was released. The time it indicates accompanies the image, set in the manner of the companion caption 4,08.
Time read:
8,52
